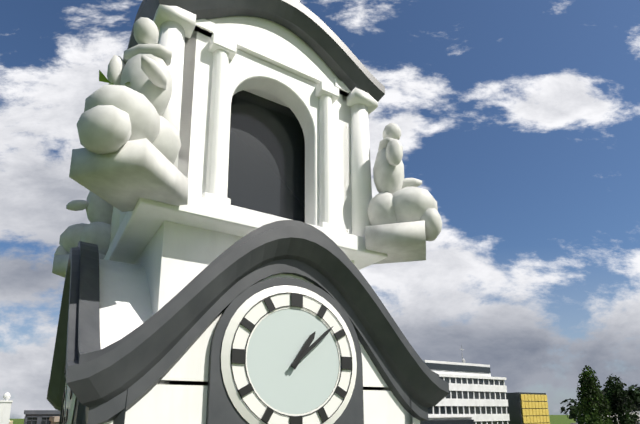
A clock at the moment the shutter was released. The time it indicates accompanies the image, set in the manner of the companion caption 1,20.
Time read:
1,08
